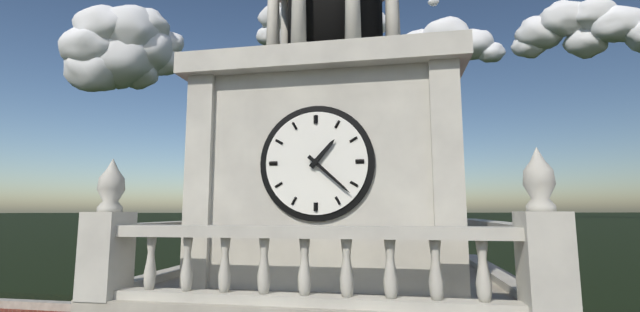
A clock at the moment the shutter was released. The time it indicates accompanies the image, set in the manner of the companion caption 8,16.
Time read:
1,22
